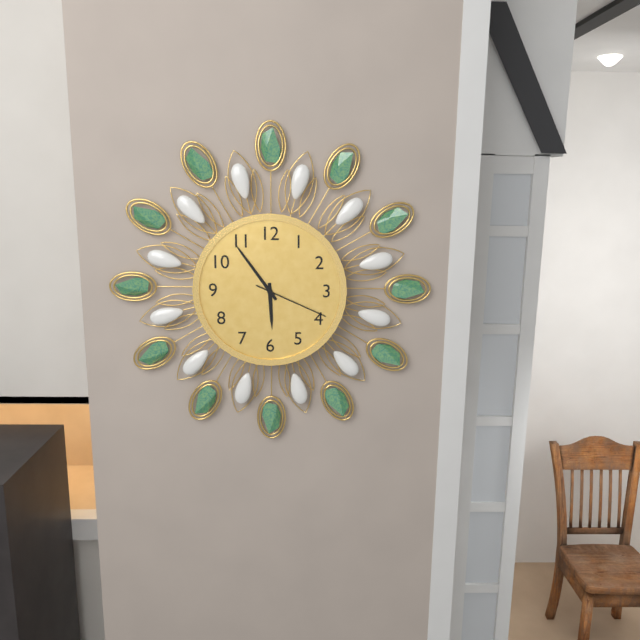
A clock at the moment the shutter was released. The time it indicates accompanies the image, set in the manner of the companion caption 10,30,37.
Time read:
5,54,19
